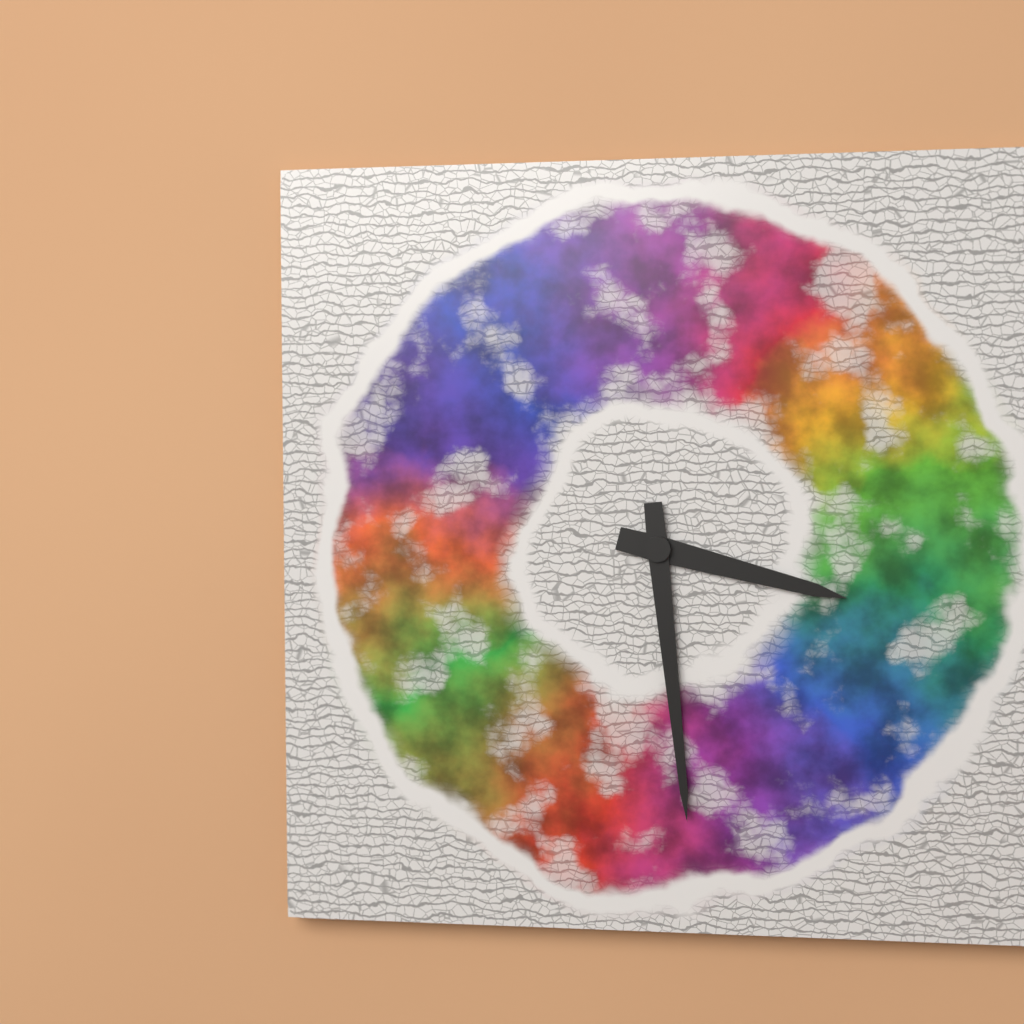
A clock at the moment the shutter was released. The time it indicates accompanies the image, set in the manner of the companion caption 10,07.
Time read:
3,29
